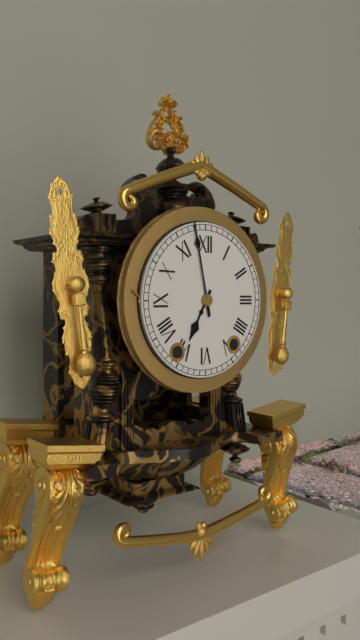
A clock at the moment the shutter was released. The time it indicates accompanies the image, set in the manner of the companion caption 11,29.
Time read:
6,58
